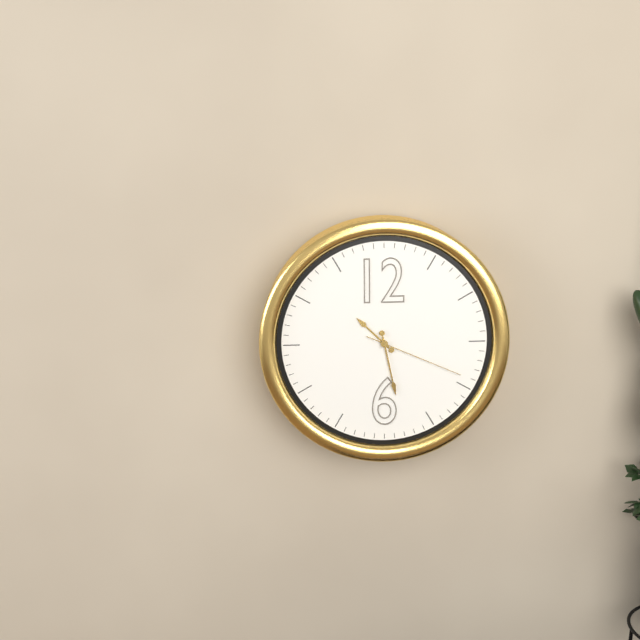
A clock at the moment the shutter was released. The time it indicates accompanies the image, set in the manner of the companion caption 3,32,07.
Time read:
10,28,19
